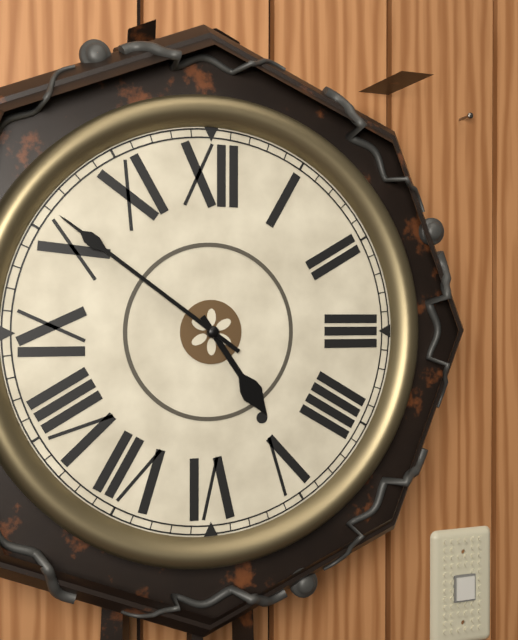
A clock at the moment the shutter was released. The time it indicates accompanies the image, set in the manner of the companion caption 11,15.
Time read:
4,51
